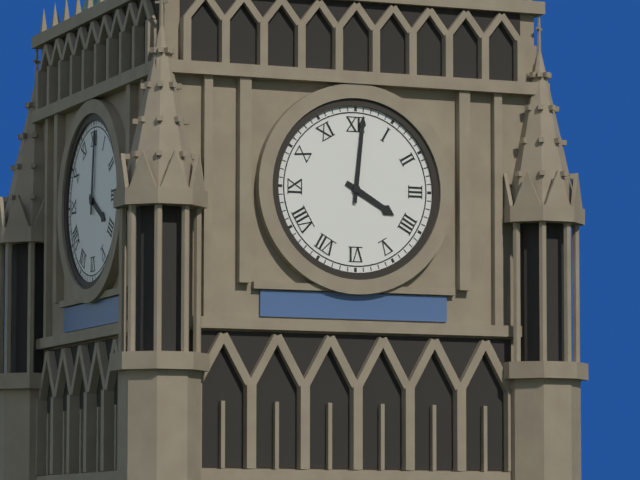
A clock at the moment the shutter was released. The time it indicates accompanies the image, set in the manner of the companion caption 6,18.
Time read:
4,01
